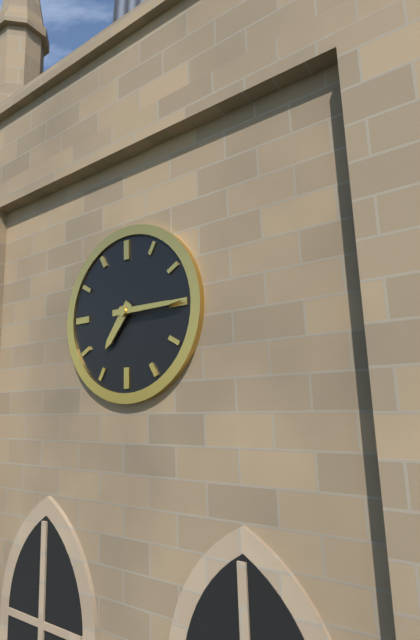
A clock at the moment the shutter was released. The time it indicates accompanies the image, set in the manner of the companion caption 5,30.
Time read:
7,15
